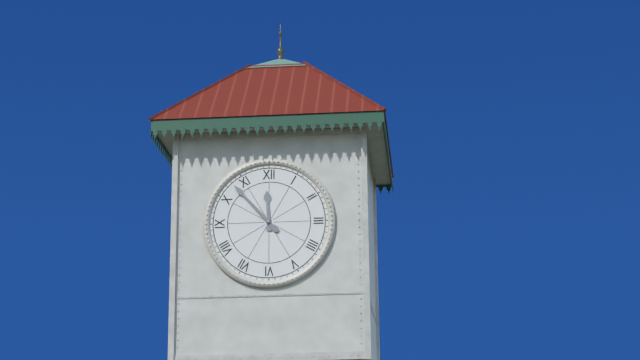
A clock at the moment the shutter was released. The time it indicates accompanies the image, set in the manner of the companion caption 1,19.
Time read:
11,53
